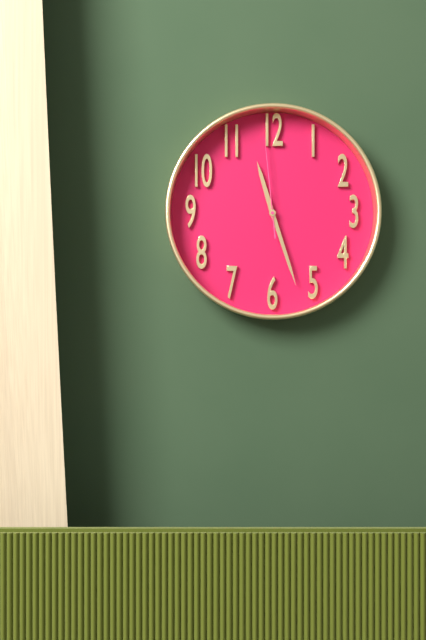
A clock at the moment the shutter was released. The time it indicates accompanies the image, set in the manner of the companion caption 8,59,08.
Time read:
11,27,59
